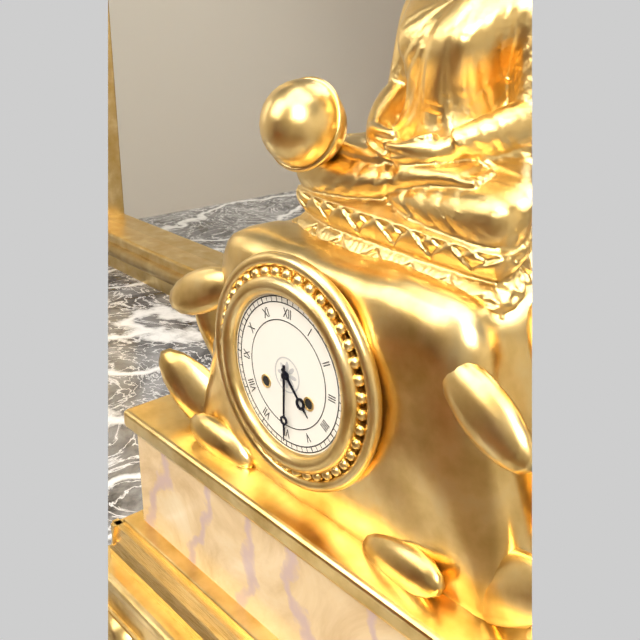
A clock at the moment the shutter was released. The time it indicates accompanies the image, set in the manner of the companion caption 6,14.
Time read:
4,30
